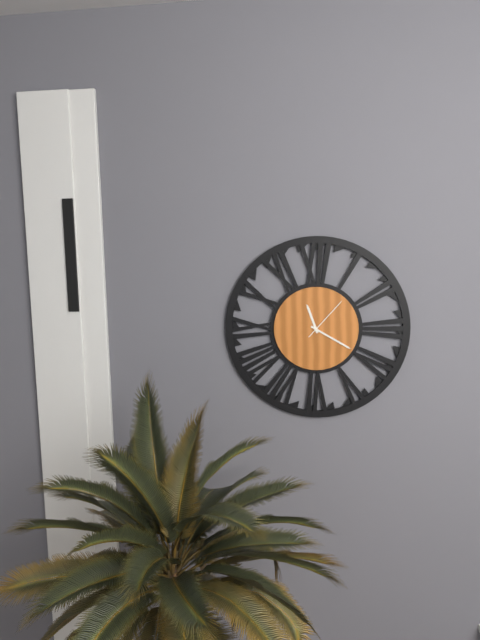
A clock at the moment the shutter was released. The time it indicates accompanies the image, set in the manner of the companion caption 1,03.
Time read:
11,20
